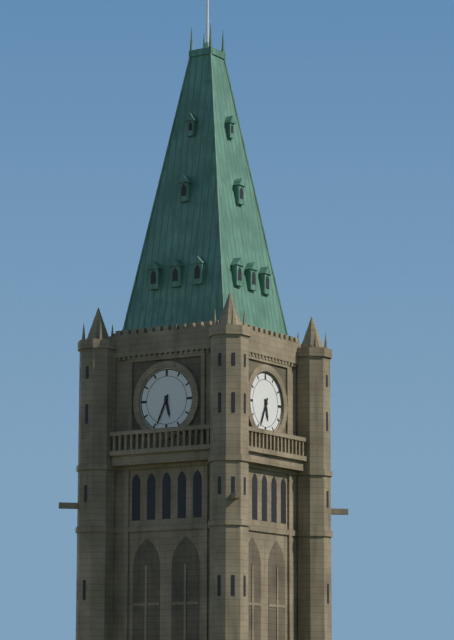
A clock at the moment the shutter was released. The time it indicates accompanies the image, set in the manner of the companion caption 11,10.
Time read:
5,34
